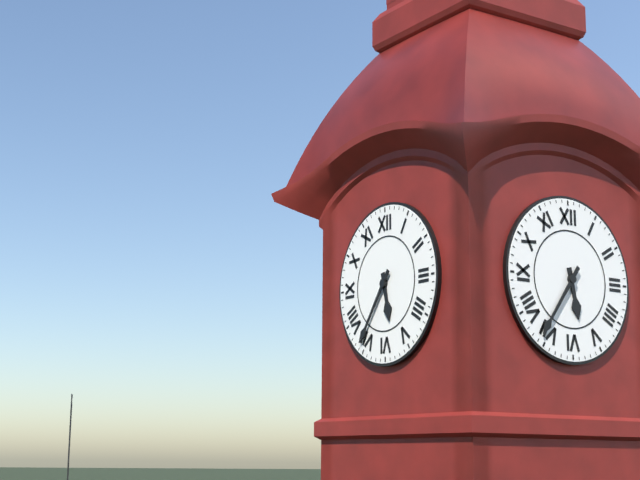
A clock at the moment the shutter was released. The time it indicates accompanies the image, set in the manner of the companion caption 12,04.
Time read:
5,36
